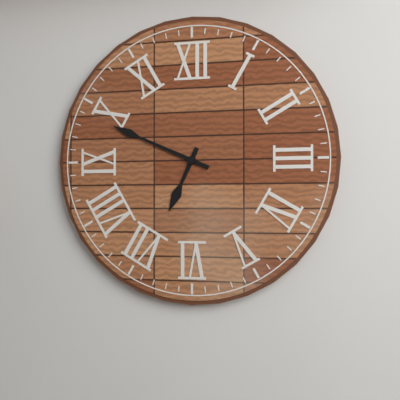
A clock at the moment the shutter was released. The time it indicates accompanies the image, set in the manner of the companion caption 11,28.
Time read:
6,49
